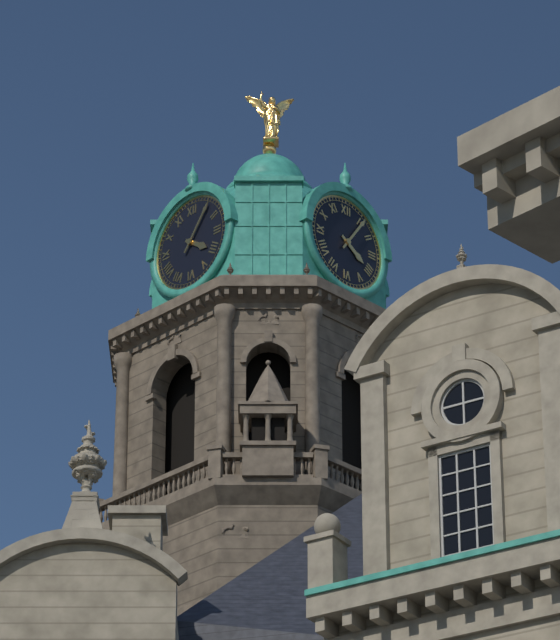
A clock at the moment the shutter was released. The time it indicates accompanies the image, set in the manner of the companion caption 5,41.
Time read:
4,06
